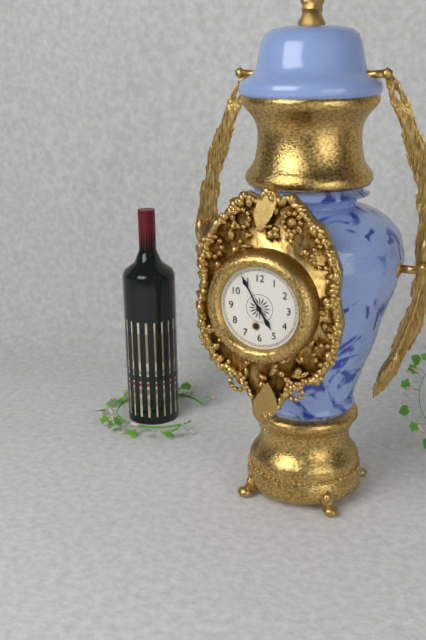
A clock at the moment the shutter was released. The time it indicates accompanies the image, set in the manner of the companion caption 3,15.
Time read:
4,55
